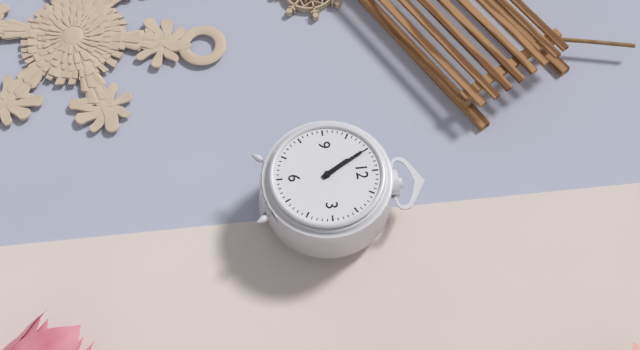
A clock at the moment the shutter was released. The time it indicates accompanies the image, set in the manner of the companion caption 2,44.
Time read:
10,55
